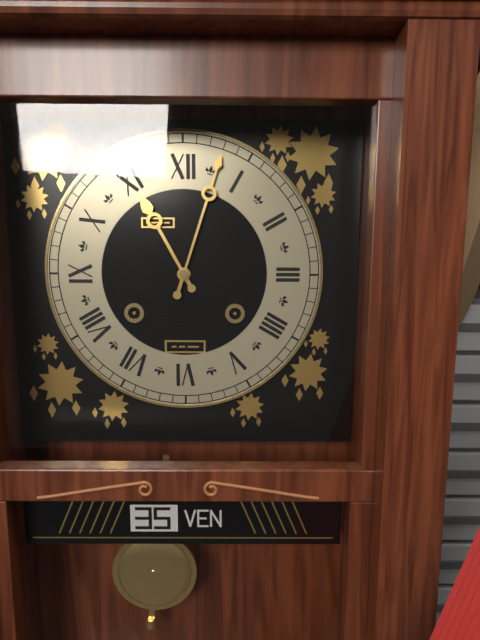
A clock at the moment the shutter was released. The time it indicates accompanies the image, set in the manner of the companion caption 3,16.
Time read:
11,03
